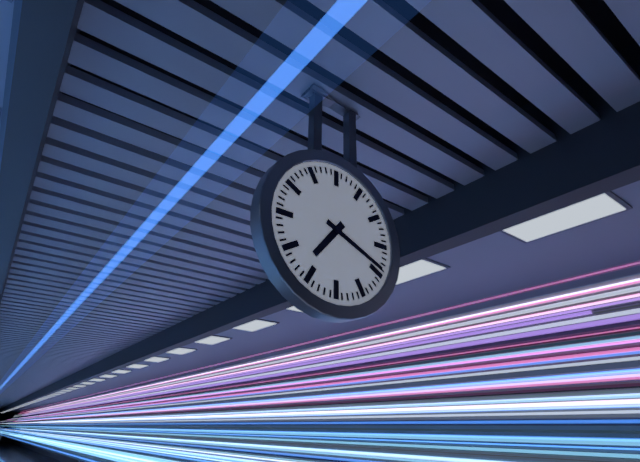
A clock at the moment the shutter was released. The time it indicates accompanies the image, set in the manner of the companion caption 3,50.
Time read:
7,19
